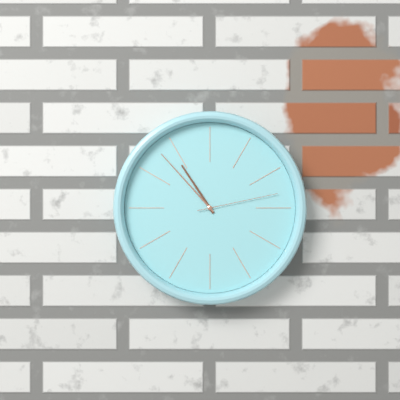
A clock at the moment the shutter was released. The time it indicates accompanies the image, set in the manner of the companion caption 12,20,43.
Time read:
10,53,13
